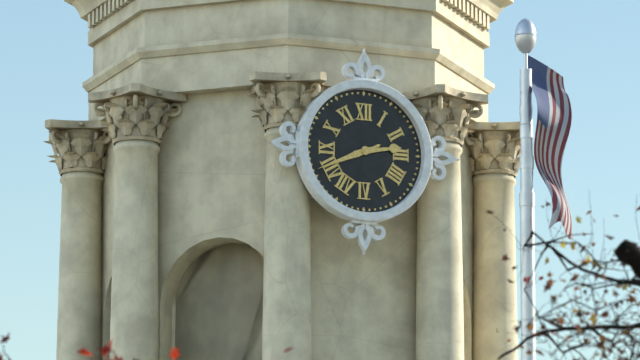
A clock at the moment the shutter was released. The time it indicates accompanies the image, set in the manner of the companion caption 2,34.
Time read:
2,41
